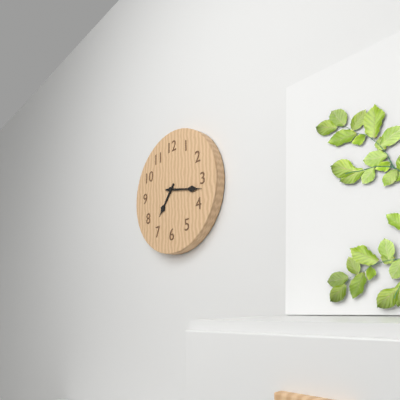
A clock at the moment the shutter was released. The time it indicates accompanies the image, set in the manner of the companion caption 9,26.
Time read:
7,17
